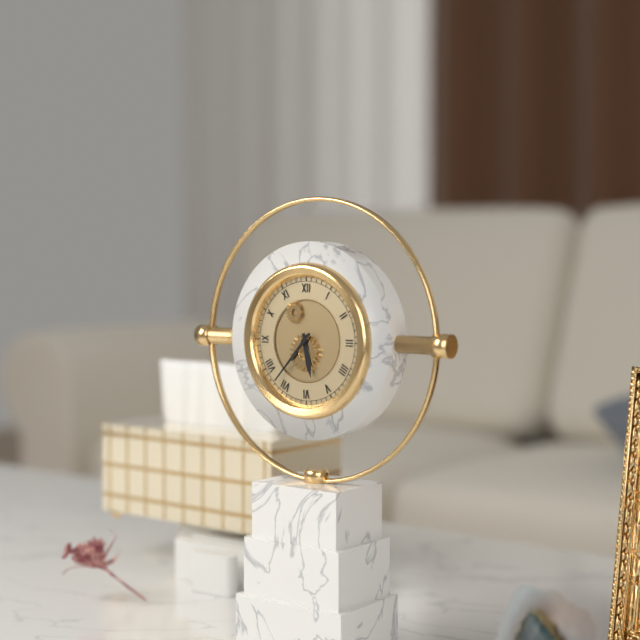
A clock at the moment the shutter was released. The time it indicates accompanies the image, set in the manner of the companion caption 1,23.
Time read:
5,37
